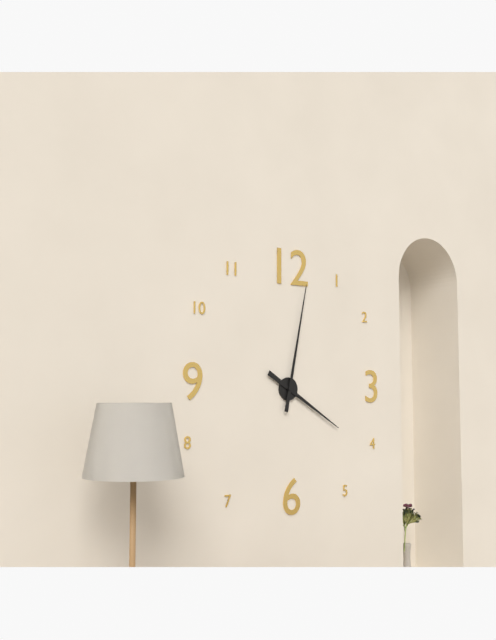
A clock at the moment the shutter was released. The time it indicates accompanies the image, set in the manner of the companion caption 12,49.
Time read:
4,02
